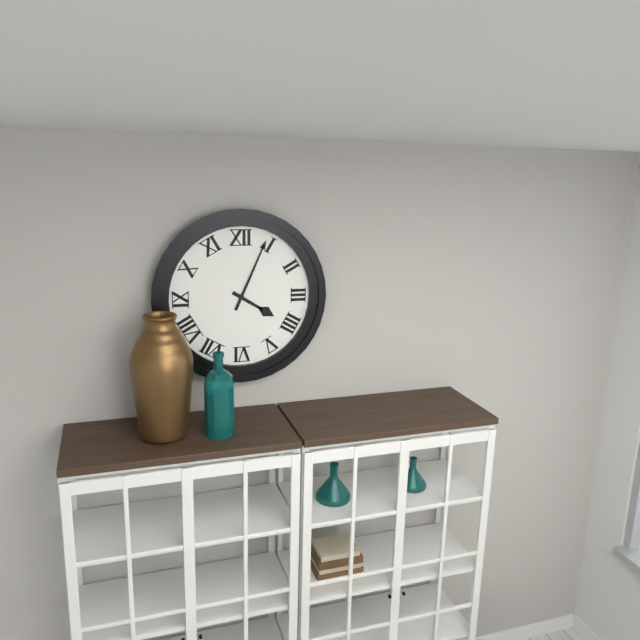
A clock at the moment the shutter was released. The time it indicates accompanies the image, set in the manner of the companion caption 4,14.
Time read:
4,04
